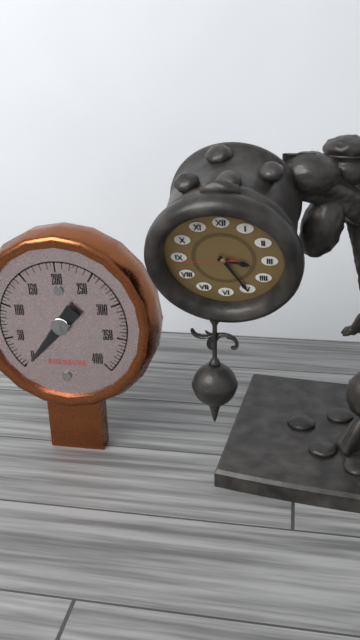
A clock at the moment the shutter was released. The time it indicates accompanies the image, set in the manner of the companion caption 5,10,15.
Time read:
3,25,44
